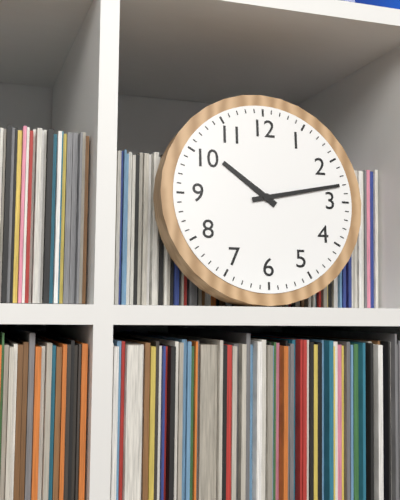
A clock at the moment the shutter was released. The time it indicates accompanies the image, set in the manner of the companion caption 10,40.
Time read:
10,13
